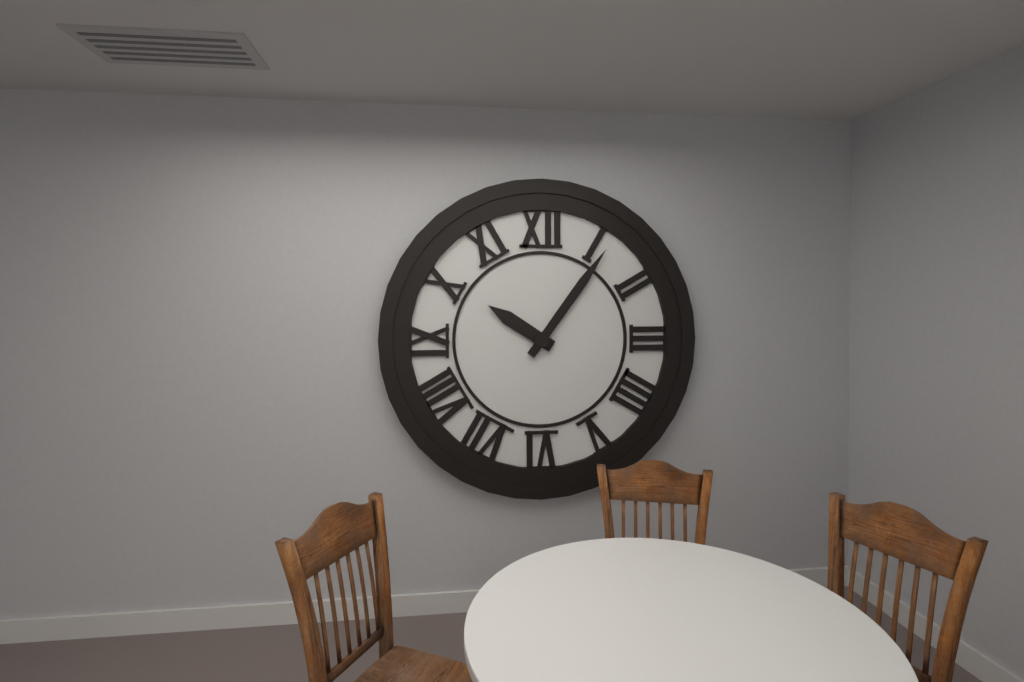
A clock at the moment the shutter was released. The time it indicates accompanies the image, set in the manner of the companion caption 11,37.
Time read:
10,06
